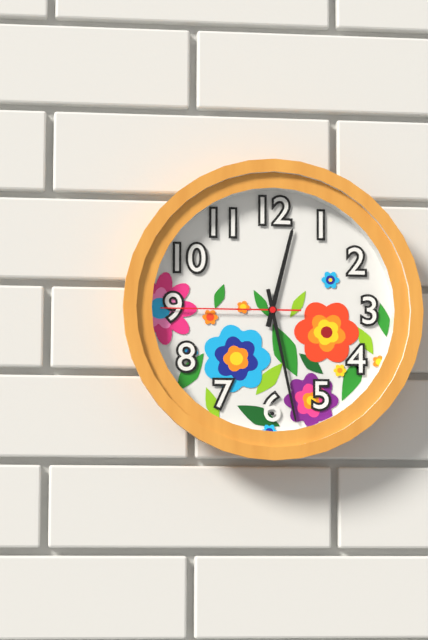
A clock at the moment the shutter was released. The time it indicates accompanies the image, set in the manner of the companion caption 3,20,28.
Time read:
12,28,45
